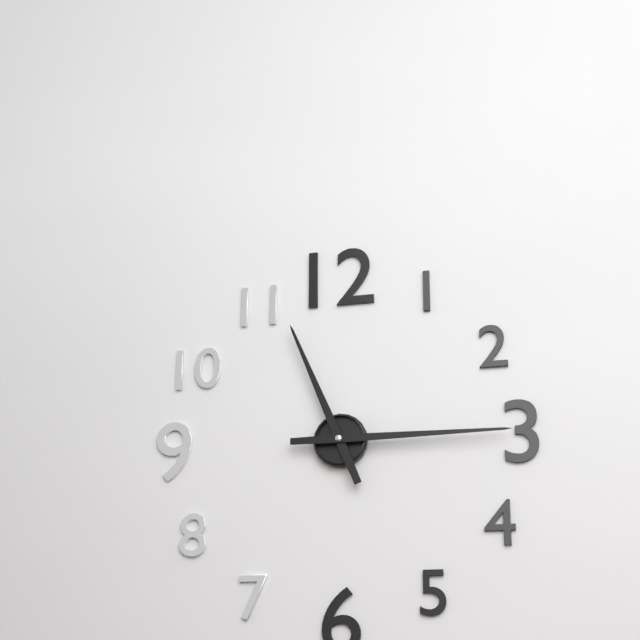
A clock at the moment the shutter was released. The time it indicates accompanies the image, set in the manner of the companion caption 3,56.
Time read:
11,15
